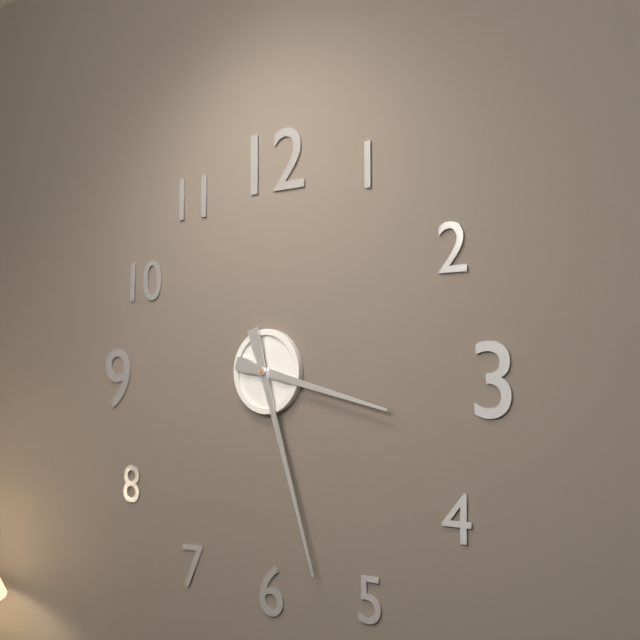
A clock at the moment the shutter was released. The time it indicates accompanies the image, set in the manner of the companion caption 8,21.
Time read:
3,27
